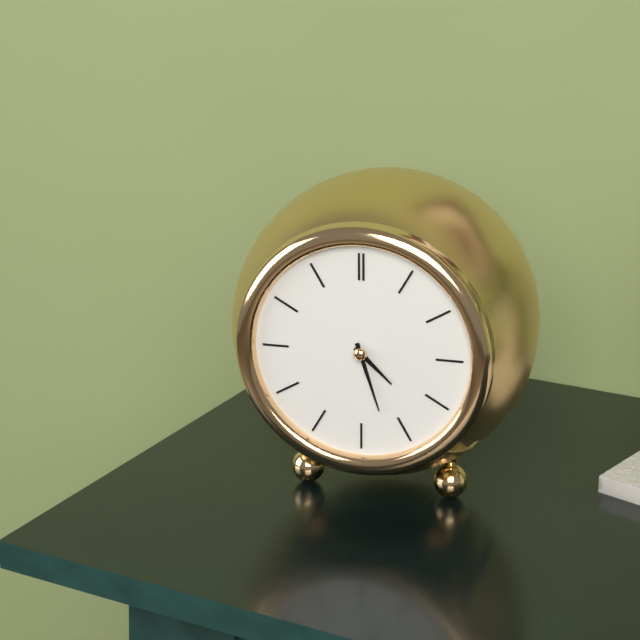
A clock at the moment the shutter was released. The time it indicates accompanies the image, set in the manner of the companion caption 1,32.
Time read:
4,27
